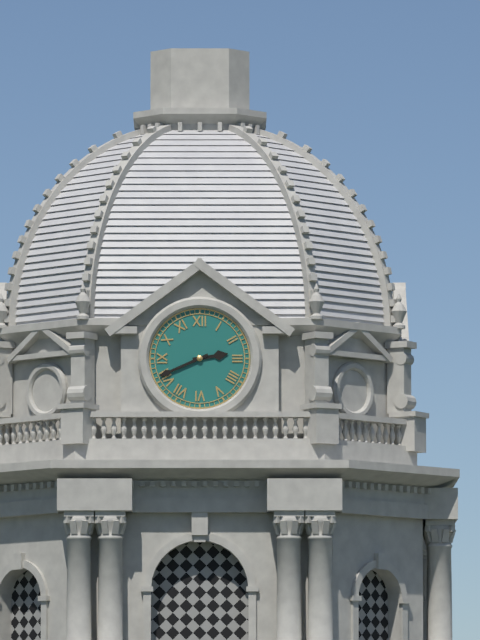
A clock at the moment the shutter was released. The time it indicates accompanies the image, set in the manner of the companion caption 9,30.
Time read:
2,41
